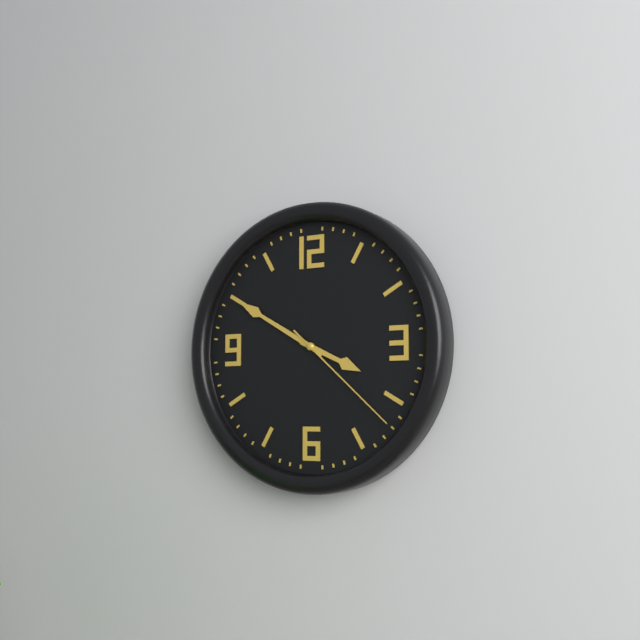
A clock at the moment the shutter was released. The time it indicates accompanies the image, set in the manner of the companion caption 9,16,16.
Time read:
3,50,22
